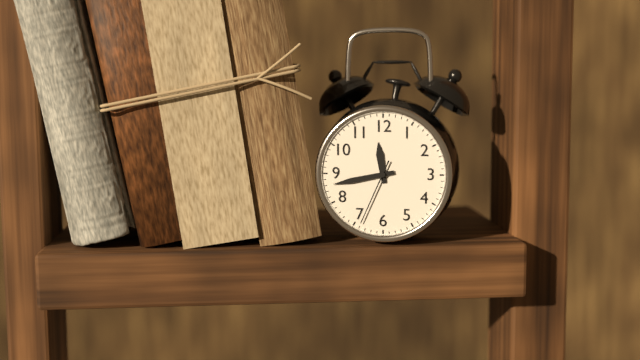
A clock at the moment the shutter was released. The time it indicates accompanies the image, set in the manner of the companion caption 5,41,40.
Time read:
11,43,34
